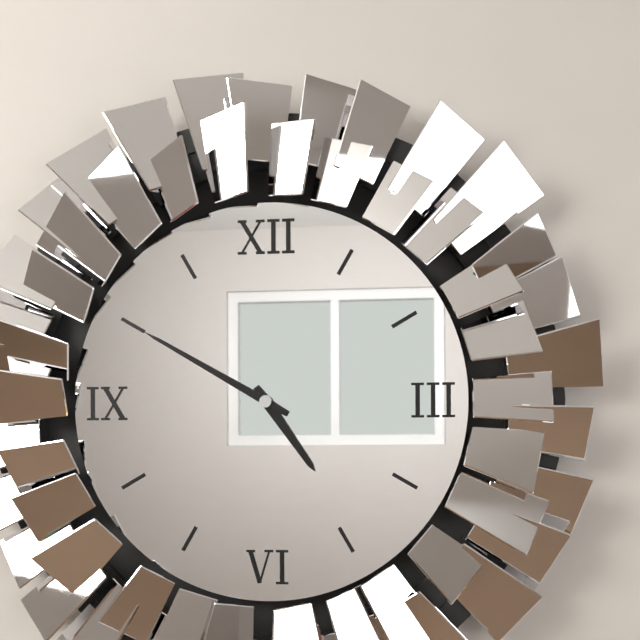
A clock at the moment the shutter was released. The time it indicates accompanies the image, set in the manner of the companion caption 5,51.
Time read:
4,50
